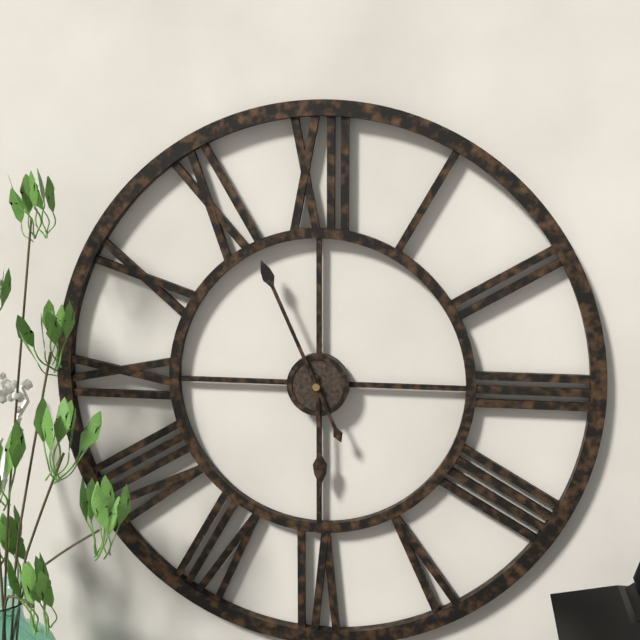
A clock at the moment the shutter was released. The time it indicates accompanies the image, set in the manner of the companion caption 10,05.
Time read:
5,56
